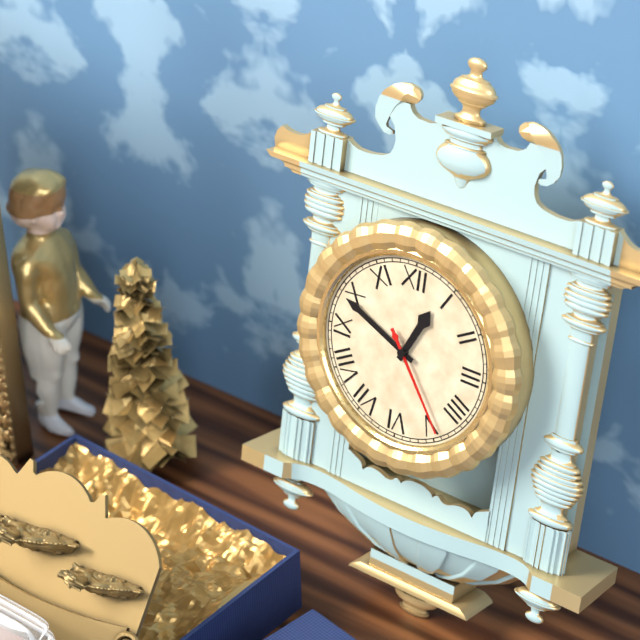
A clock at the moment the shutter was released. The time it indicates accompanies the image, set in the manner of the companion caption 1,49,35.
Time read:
12,49,24
